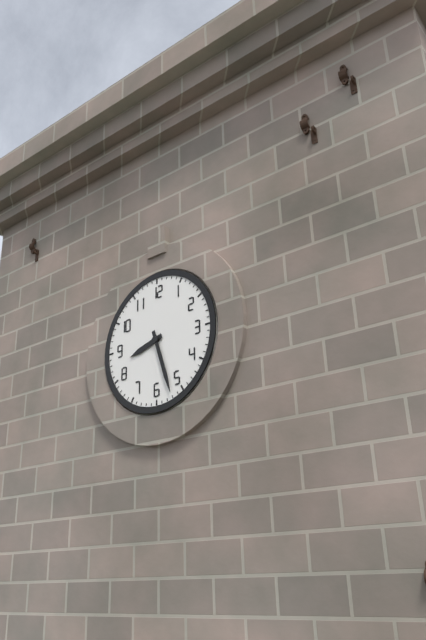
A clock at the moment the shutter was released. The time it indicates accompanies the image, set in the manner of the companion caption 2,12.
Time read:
8,27
